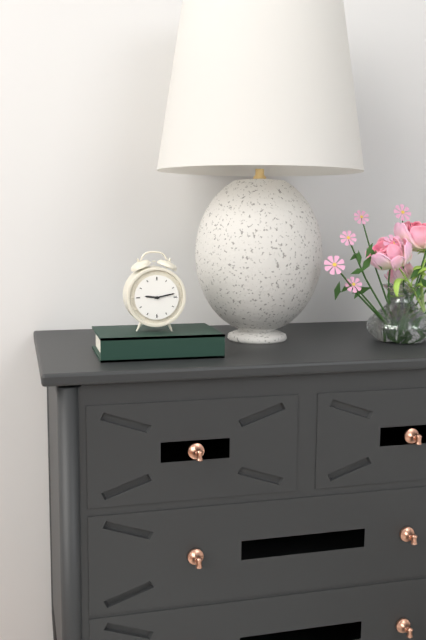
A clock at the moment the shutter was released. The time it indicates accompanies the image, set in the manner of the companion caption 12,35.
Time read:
9,13
